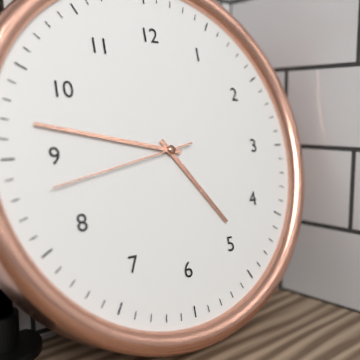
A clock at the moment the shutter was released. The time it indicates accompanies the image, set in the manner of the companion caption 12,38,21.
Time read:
4,47,43
